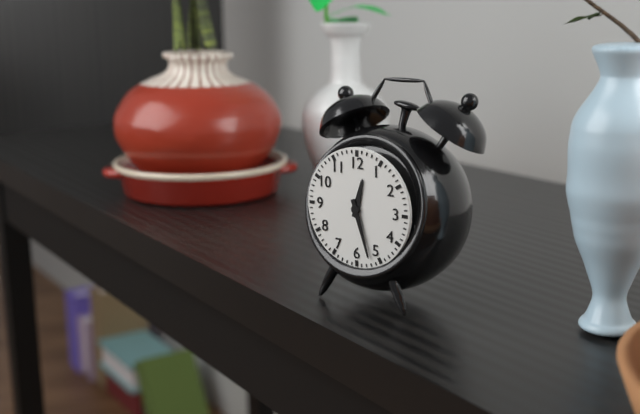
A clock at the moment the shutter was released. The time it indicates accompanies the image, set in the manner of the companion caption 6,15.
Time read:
12,27
